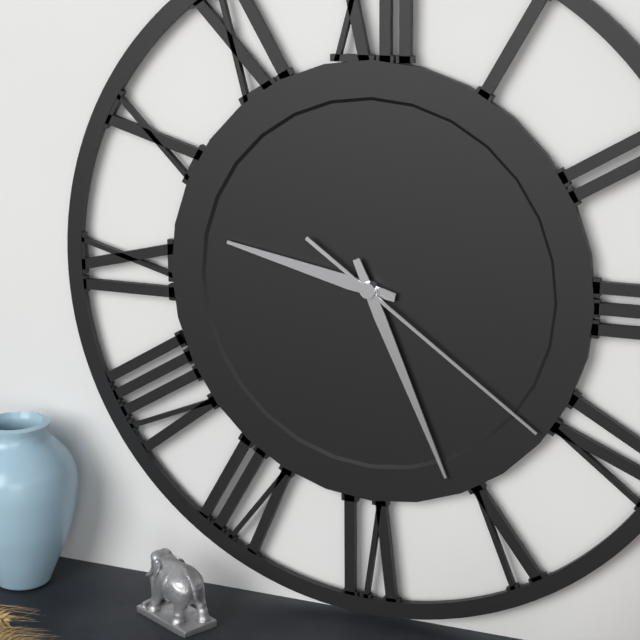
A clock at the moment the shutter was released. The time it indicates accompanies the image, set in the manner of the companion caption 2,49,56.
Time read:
9,26,21
